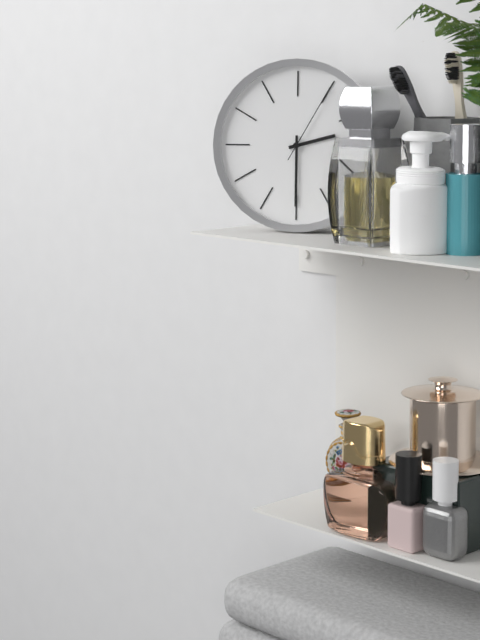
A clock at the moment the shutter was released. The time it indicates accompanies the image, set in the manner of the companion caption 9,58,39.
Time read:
2,30,05
